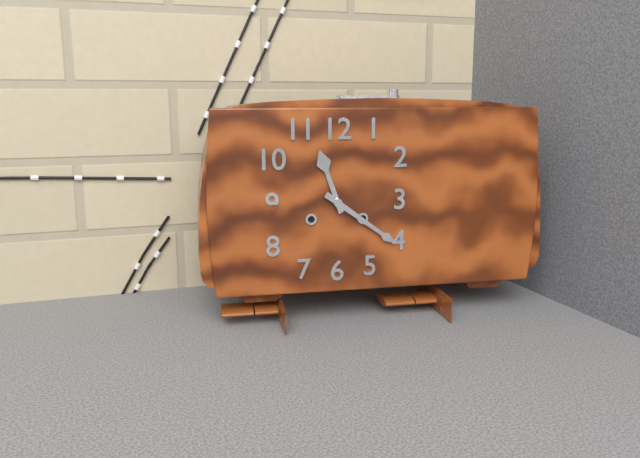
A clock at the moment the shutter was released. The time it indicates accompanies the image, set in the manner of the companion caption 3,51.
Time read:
11,21
